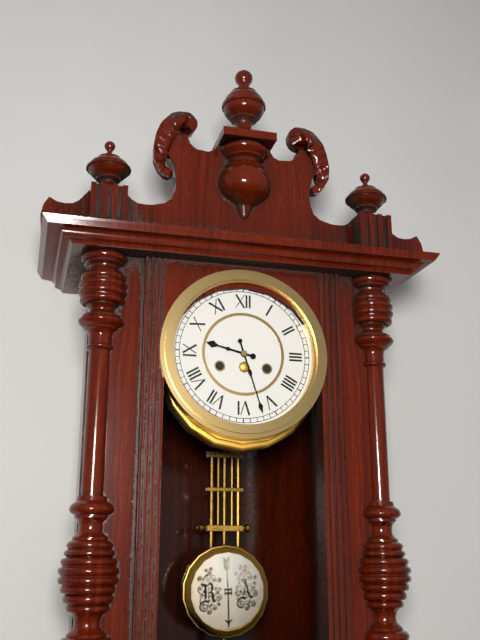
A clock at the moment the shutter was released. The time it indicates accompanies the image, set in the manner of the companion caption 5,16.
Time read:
9,27
